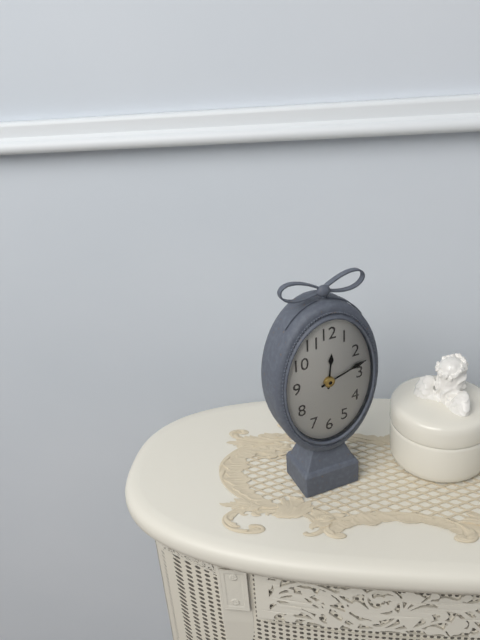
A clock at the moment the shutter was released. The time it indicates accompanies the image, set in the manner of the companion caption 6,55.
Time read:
12,12
